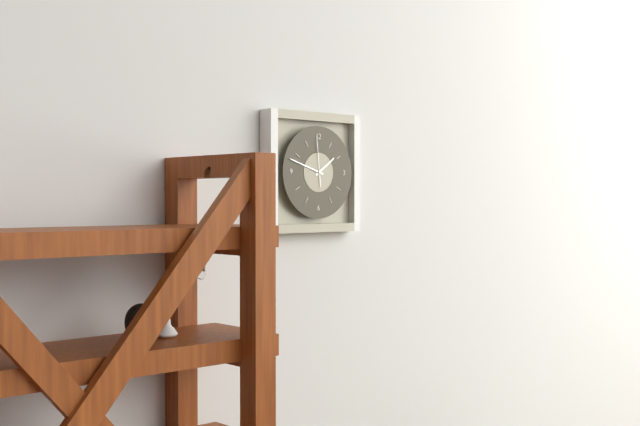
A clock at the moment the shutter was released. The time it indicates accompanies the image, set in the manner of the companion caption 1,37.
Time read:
1,48
